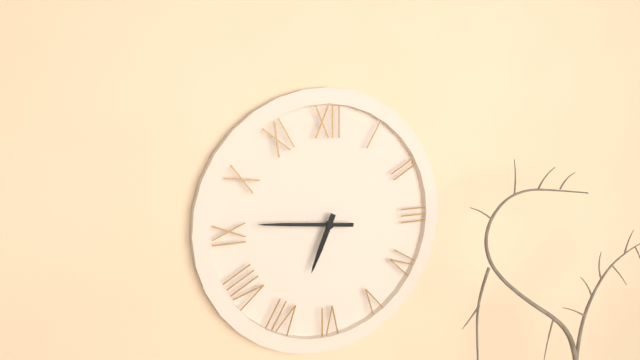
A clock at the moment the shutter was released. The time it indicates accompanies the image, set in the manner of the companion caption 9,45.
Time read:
6,46
